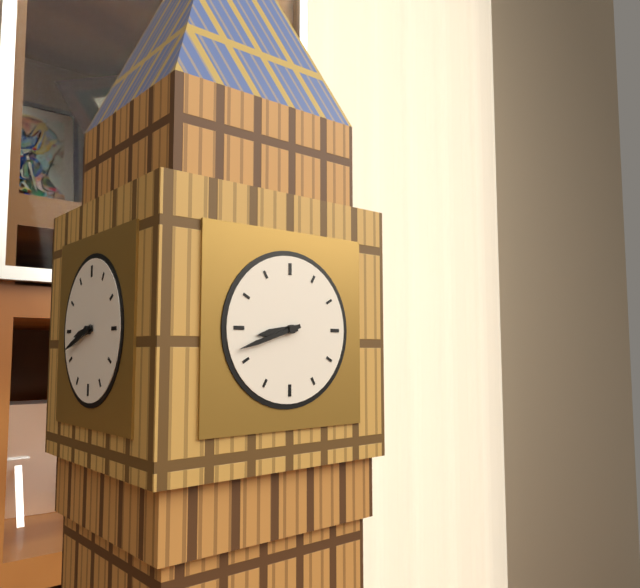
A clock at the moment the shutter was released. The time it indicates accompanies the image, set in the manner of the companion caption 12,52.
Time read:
8,42
